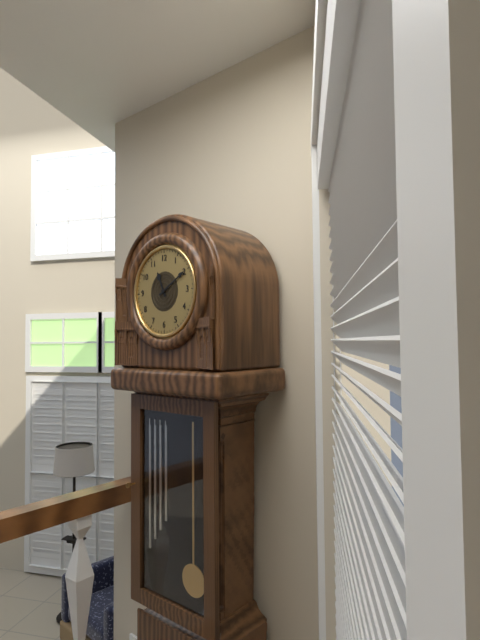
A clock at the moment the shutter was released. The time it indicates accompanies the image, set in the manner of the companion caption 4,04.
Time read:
11,10
